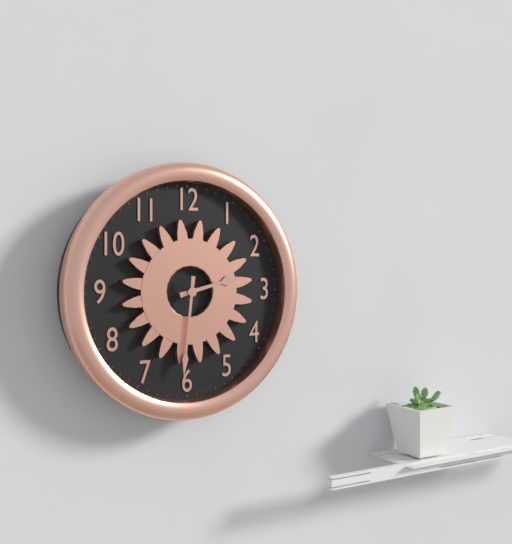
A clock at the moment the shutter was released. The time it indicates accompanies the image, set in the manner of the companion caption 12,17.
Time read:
2,31
